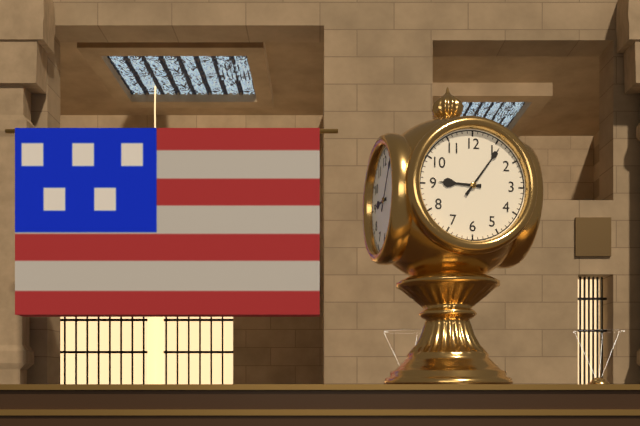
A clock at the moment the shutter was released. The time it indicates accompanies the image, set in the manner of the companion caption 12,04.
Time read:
9,06
